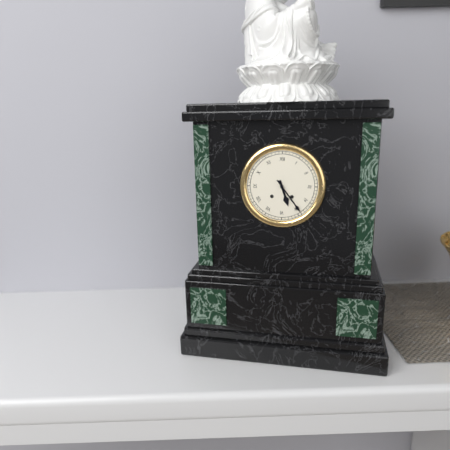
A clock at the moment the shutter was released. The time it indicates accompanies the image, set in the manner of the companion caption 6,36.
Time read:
5,24
